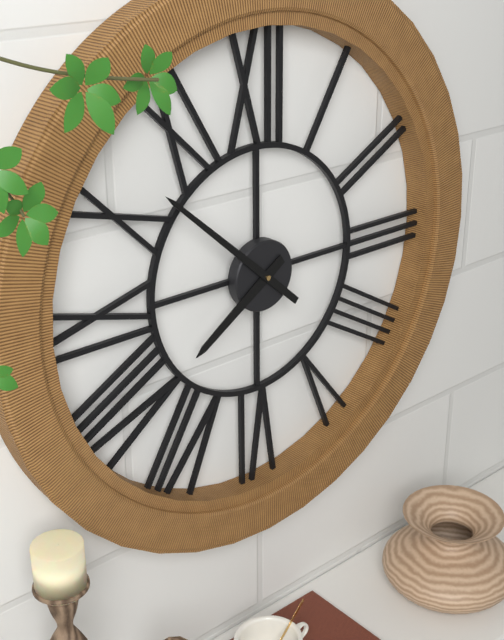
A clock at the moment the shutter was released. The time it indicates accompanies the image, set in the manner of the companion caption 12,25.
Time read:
7,52
